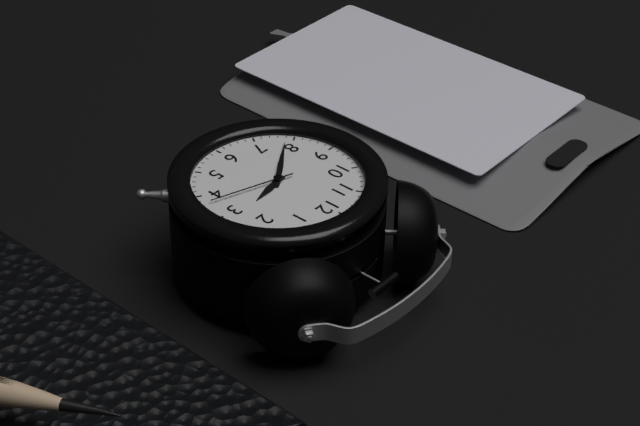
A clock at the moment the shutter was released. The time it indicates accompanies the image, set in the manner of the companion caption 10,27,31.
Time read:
2,39,18
